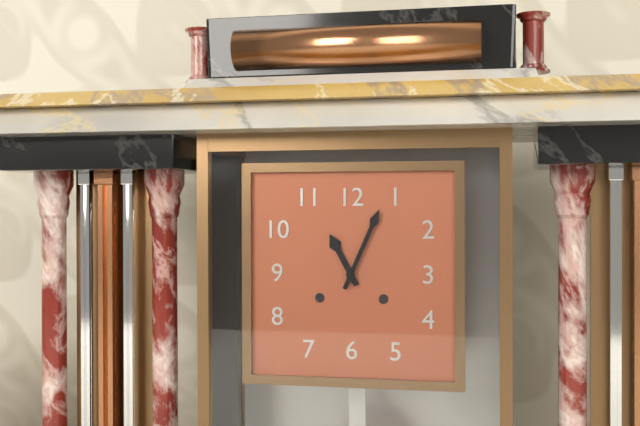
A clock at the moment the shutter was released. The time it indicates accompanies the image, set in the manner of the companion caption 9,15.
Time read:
11,04
